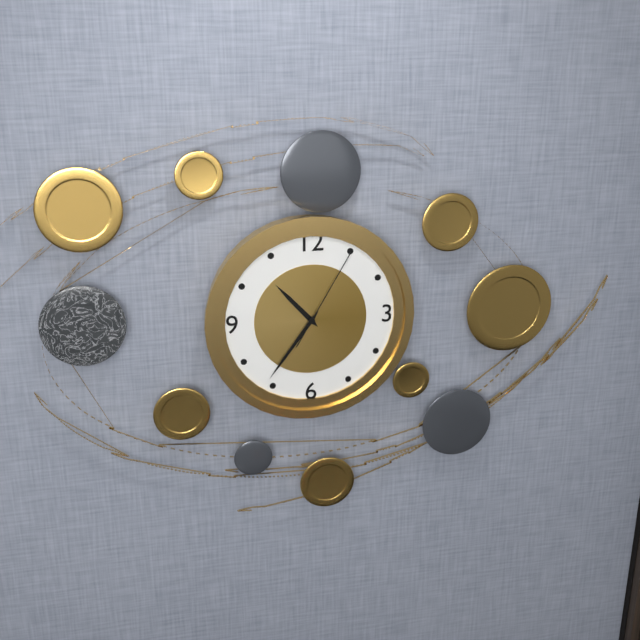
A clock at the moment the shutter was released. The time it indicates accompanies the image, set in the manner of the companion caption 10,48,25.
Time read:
10,36,05
